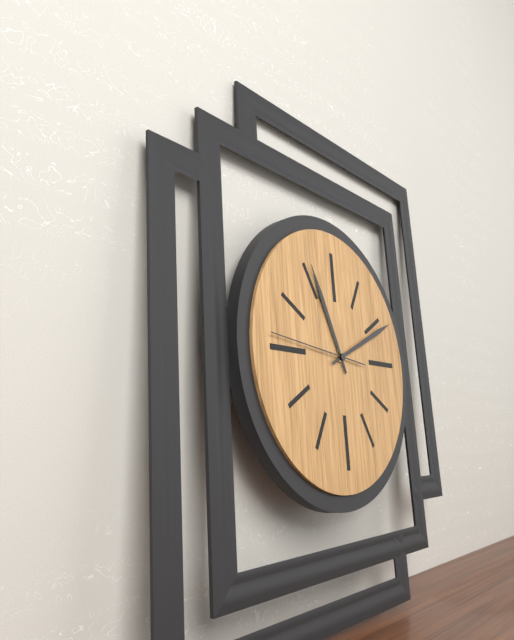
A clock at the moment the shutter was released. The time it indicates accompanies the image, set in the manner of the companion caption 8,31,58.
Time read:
11,11,46
